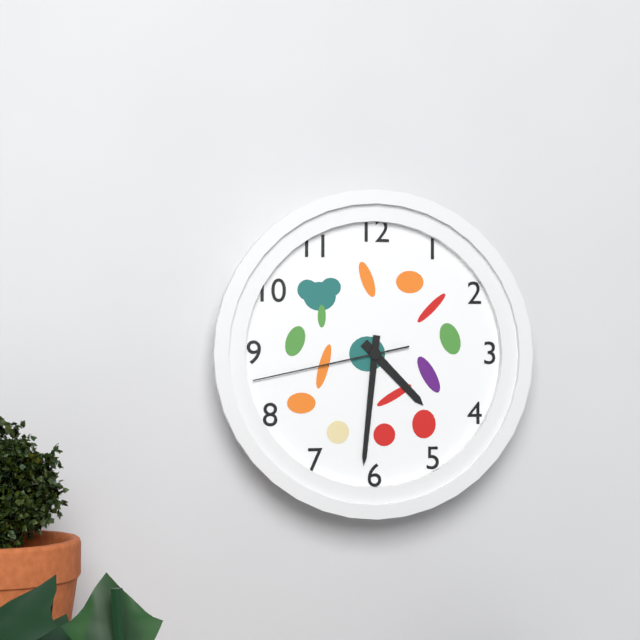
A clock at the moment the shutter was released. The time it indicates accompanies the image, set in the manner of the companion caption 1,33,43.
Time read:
4,31,43
